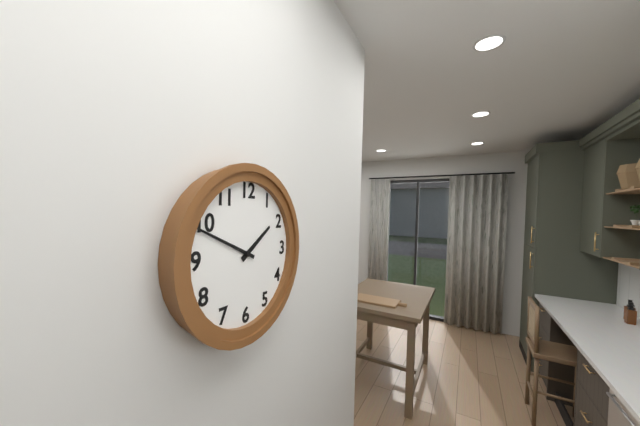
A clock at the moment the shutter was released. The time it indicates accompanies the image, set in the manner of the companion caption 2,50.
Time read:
1,49
